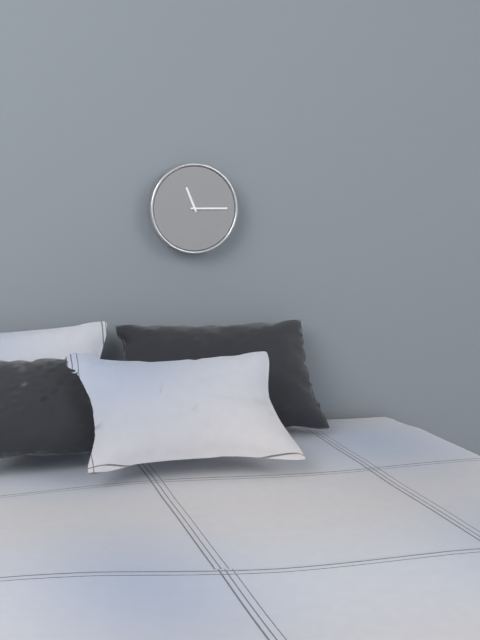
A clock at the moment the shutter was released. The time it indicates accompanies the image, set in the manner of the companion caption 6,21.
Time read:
11,15
